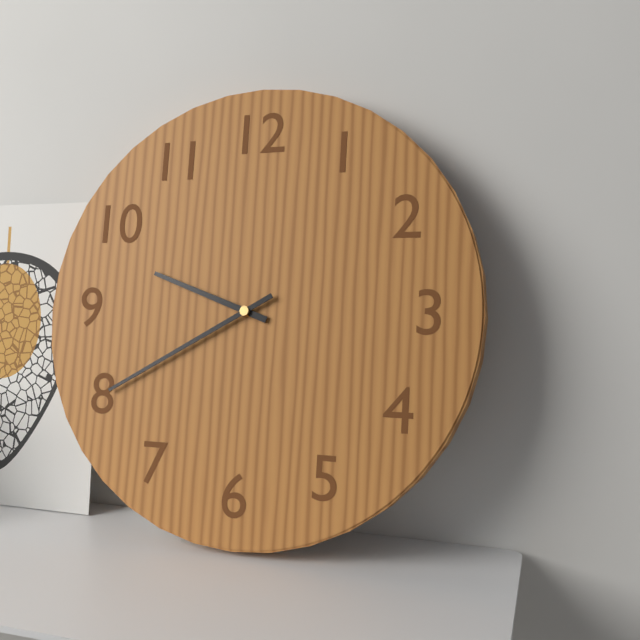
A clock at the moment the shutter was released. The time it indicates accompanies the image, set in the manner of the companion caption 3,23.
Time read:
9,40
